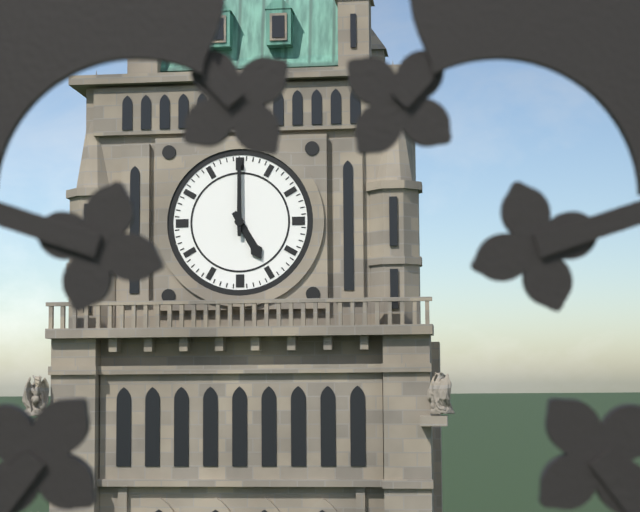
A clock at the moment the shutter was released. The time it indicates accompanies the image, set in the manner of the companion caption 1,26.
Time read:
5,00
